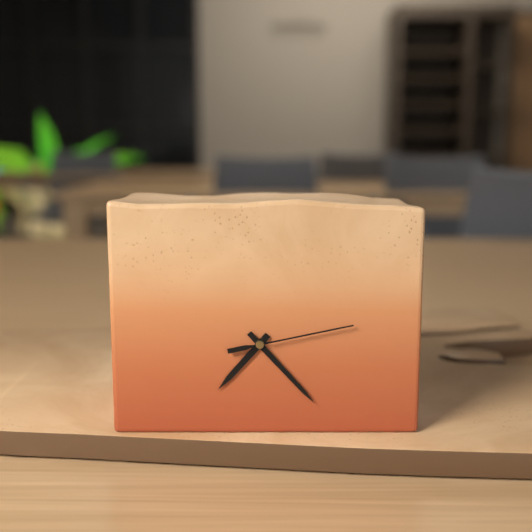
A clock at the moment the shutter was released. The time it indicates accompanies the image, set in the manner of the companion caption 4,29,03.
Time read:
7,23,13
